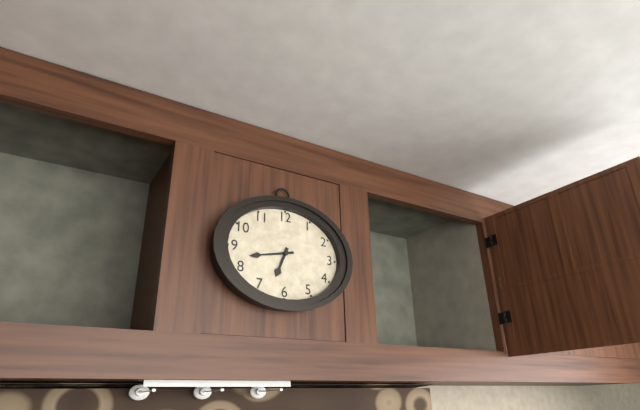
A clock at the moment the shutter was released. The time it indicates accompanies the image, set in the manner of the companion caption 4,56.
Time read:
6,43
